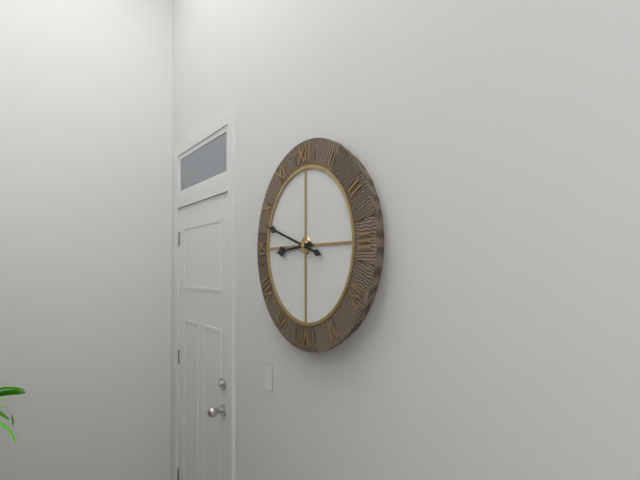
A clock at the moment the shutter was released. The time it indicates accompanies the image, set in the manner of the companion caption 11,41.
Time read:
8,48
